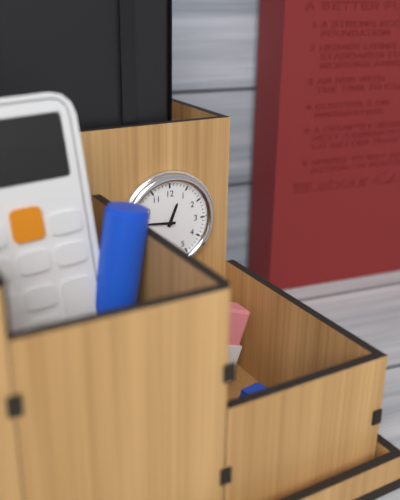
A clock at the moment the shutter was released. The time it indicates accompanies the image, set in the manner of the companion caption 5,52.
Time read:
12,46
